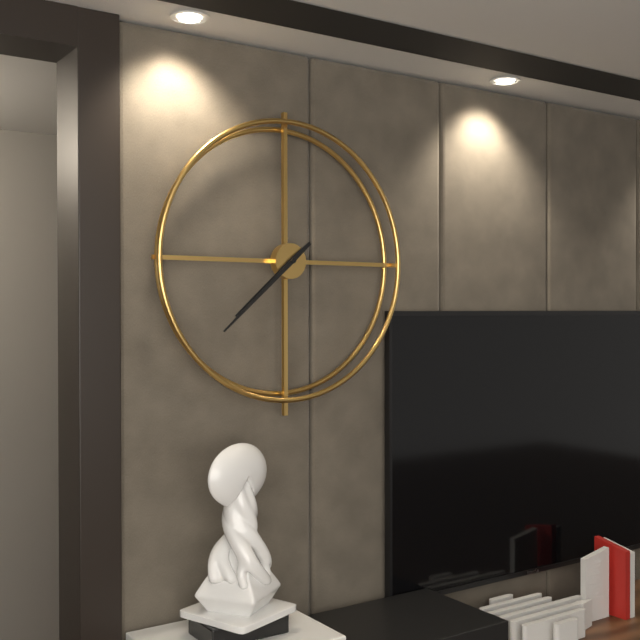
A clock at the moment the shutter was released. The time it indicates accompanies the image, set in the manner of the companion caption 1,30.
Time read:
7,38
